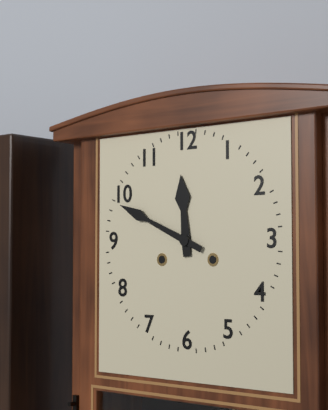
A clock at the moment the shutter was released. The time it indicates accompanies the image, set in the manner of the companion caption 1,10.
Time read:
11,49
